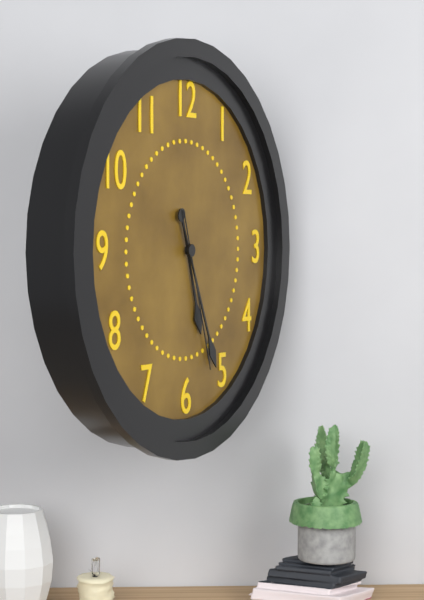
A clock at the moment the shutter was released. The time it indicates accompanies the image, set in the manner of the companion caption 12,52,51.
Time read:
5,26,27
